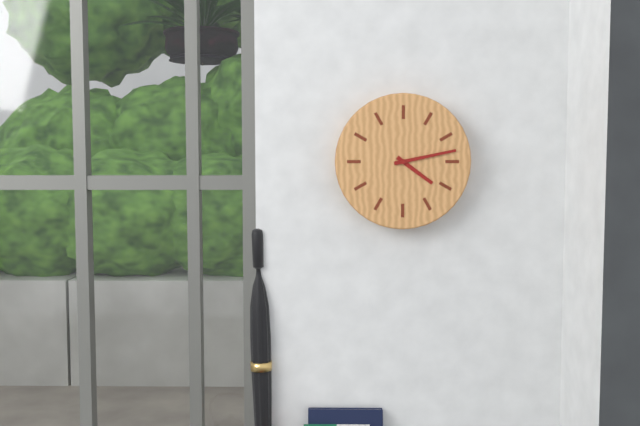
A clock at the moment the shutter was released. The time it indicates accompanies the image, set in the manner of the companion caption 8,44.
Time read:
4,13
